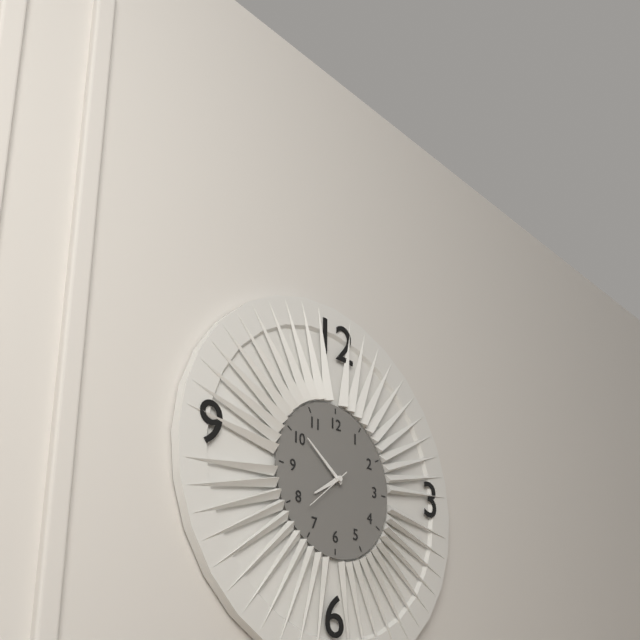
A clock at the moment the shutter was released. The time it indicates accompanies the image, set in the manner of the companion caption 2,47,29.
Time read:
7,51,38
